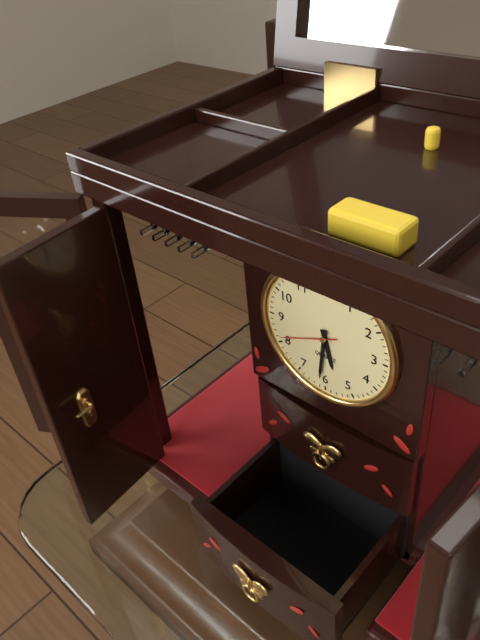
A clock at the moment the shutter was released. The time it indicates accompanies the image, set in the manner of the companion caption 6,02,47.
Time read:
5,31,41
